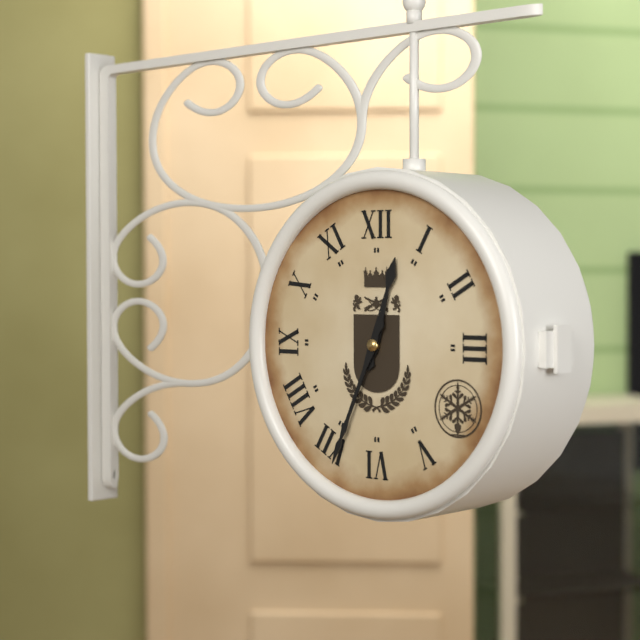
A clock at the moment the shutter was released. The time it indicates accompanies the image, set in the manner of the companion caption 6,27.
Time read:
12,34
